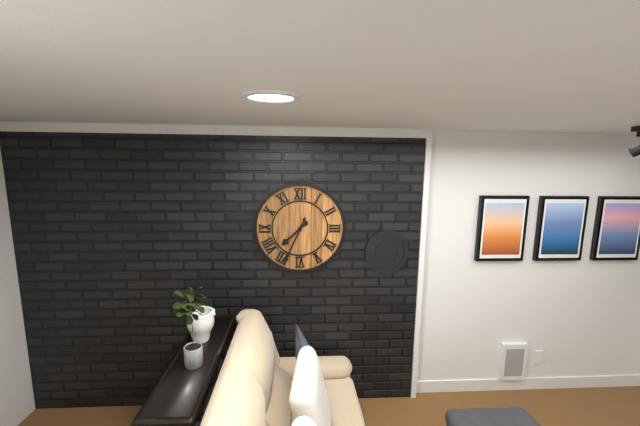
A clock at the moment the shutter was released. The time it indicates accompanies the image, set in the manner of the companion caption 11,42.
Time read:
7,34
